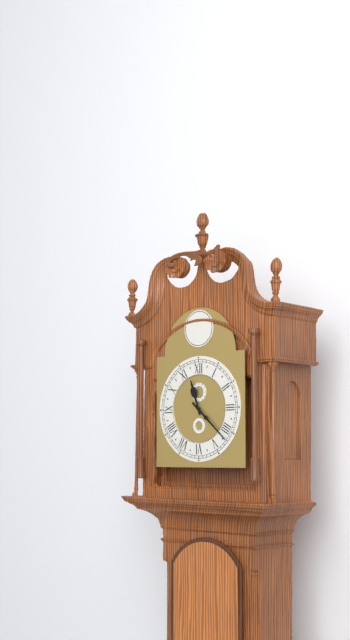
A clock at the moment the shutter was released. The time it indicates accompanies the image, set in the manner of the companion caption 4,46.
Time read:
11,22
